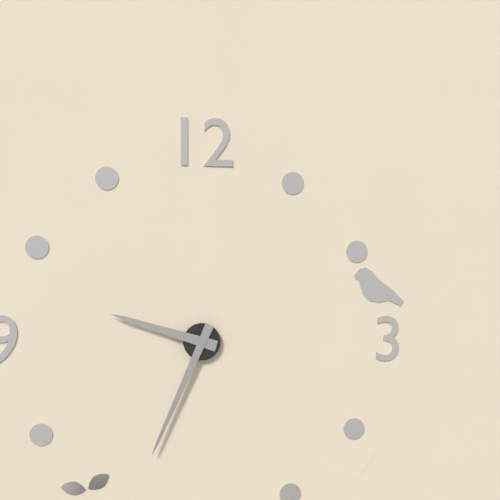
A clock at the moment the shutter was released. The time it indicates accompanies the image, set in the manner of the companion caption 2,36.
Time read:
9,34
